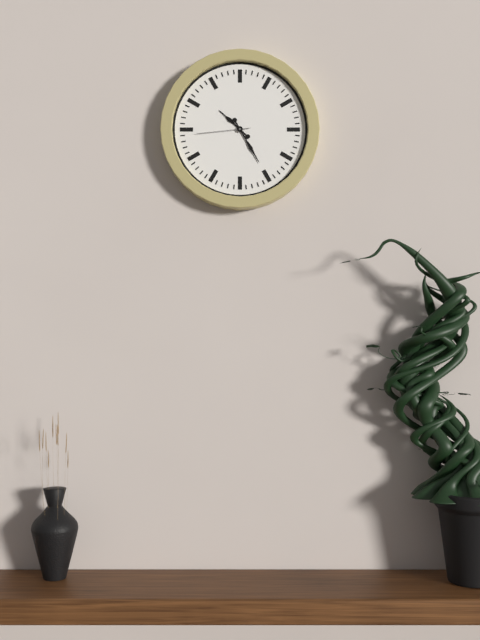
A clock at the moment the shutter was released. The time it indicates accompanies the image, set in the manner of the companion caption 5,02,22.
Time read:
10,25,44
